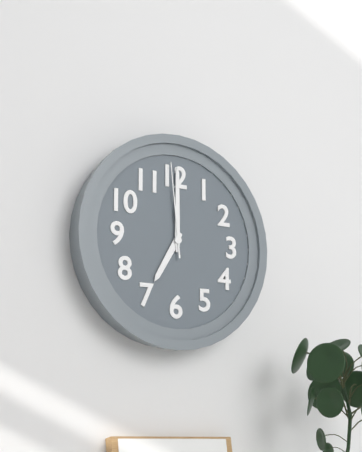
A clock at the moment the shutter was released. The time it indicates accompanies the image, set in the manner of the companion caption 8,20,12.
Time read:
7,00,59
